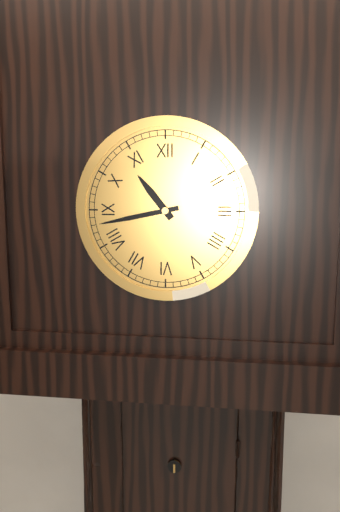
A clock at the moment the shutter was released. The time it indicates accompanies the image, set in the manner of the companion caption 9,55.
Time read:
10,43
